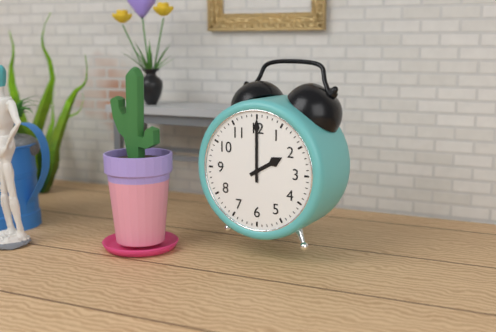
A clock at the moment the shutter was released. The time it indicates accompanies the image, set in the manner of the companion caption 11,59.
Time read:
2,00
